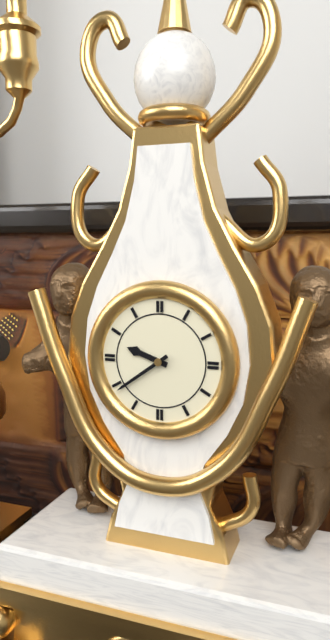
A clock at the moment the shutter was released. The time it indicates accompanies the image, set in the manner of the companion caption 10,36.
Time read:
9,39
